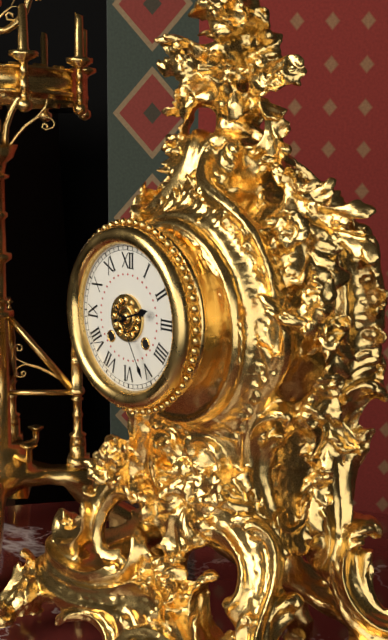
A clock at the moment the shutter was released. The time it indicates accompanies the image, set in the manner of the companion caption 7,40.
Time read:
2,25
